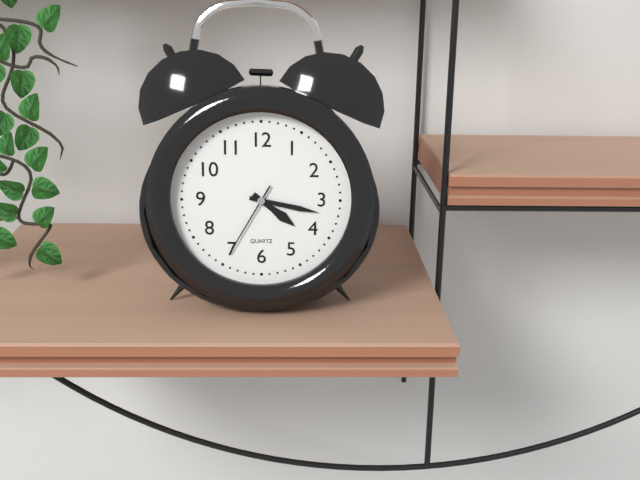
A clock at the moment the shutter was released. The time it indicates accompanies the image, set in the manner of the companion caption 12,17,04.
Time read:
4,17,35
